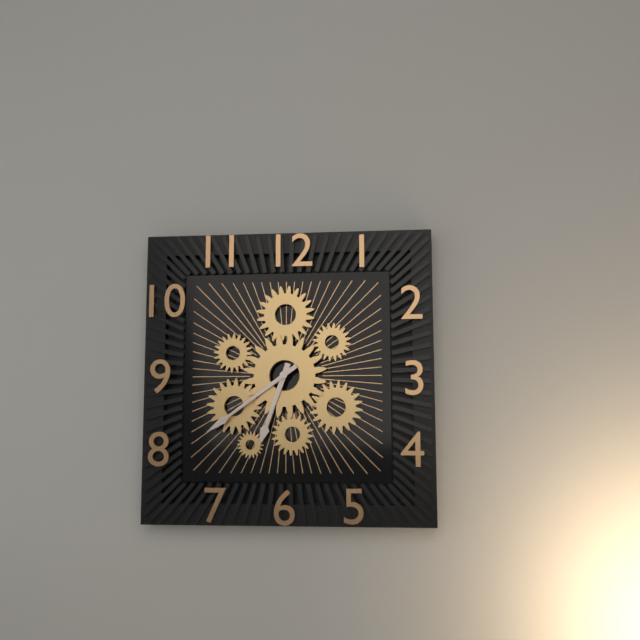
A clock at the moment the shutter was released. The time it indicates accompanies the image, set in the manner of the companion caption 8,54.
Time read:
6,39
